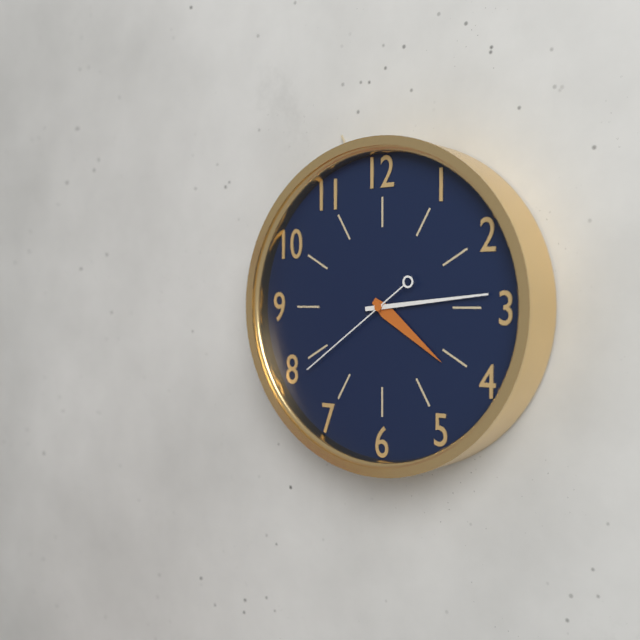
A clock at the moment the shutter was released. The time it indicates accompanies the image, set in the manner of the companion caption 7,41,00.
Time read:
4,14,39
